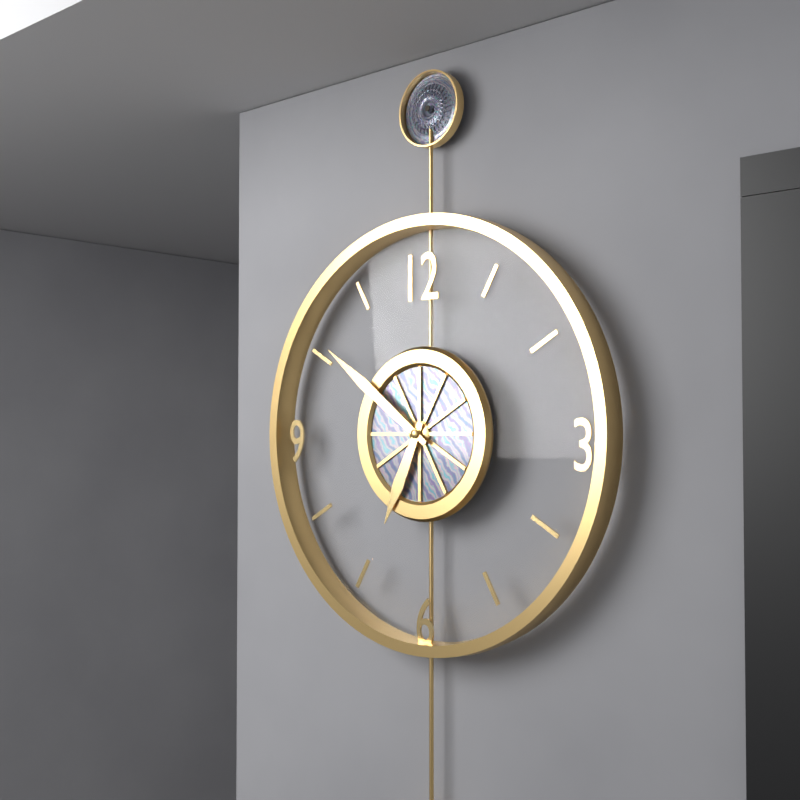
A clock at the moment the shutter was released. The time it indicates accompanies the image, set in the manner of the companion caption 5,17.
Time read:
6,51
